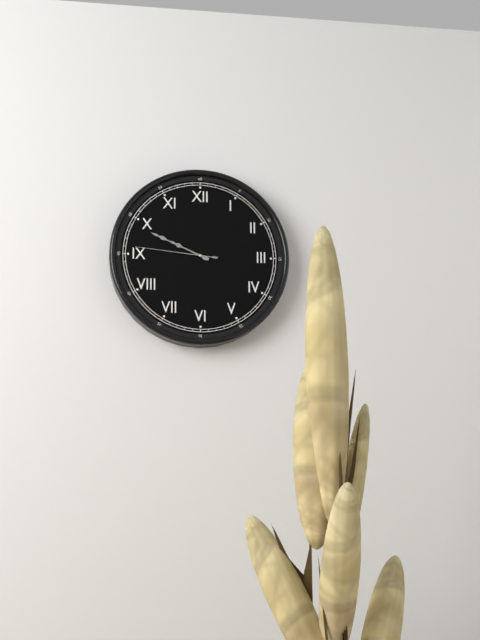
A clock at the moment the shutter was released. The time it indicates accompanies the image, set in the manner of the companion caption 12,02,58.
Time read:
9,49,46
